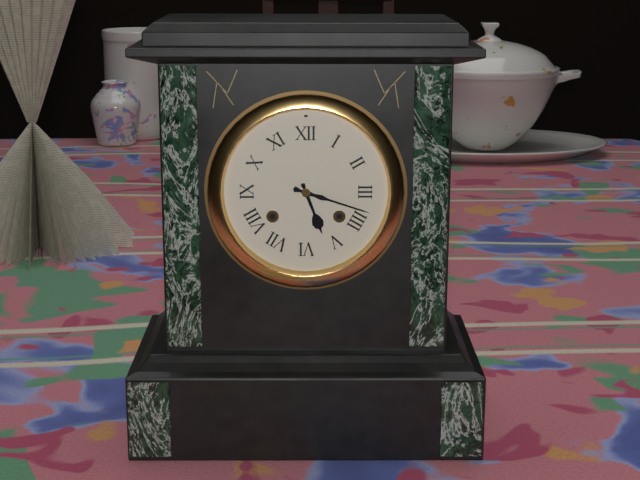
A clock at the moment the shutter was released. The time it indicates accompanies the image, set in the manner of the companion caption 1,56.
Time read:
5,18
